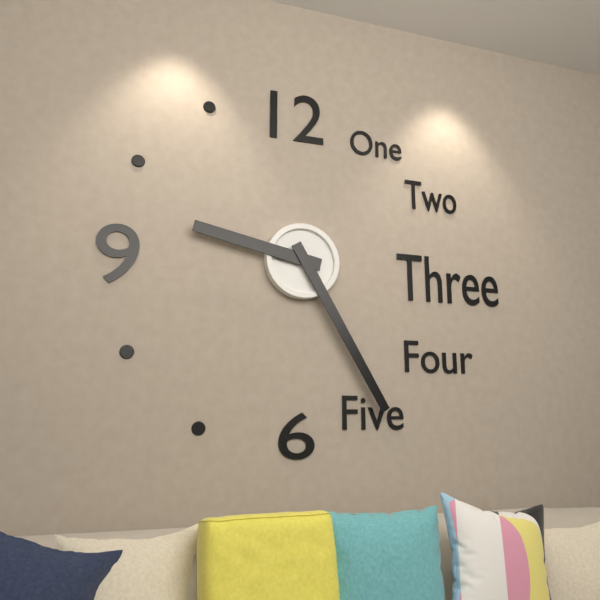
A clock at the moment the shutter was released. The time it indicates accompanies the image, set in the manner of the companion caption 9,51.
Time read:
9,25
